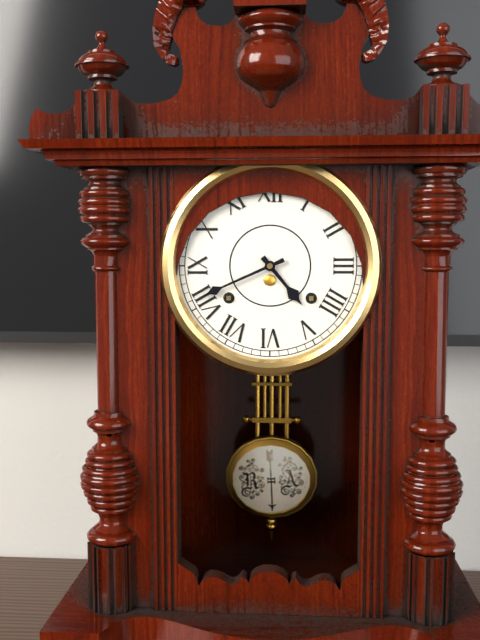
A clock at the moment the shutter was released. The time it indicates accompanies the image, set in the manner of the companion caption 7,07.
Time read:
4,41
